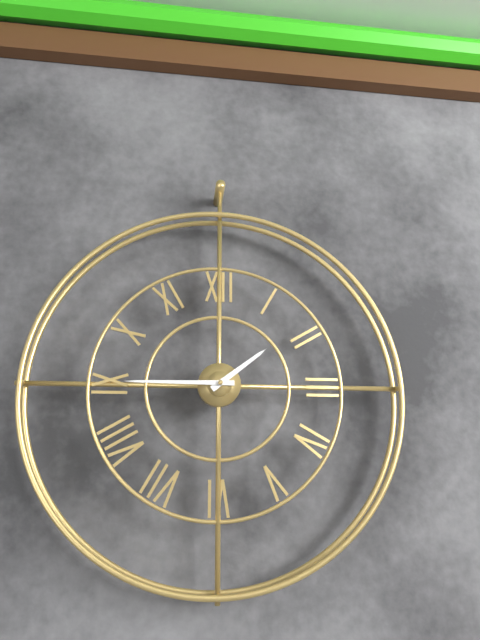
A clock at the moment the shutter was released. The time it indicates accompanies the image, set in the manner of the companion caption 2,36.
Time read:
1,45
